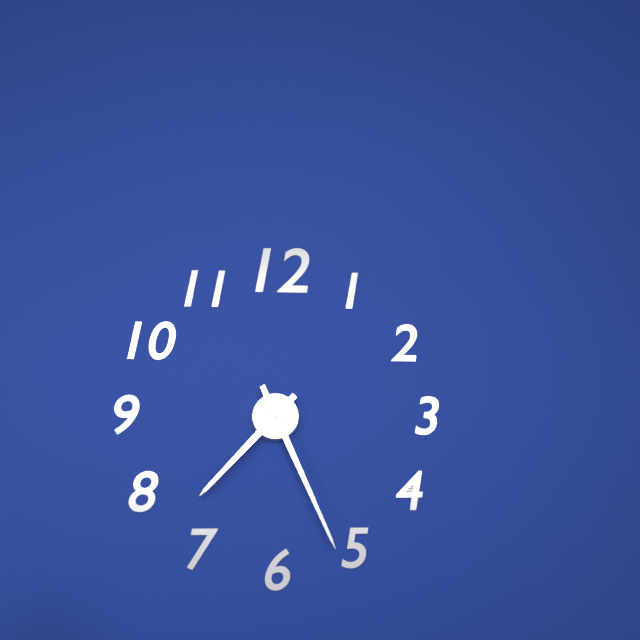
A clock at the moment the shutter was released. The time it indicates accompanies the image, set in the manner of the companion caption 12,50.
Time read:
7,26
